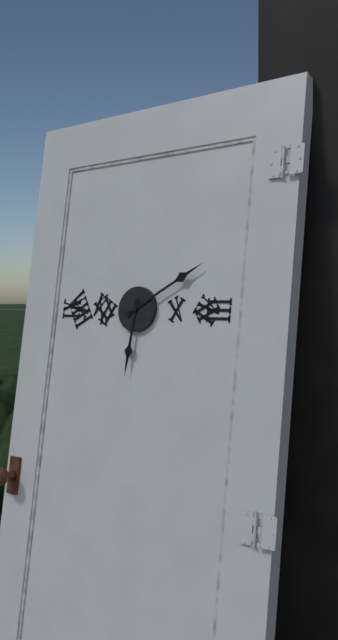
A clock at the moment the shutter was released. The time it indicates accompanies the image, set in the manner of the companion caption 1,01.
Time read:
6,10
